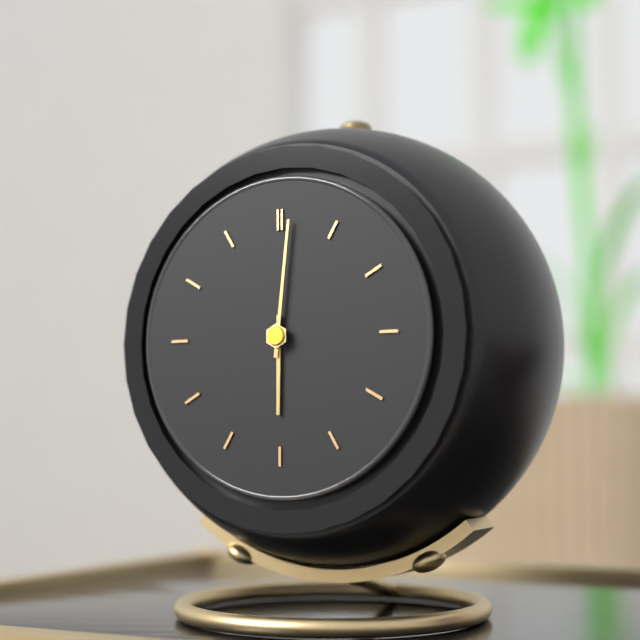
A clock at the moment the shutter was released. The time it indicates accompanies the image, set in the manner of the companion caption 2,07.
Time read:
6,01
